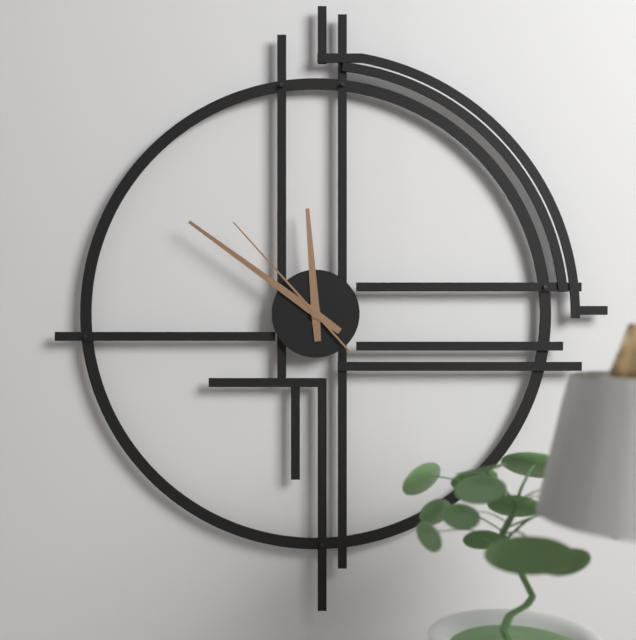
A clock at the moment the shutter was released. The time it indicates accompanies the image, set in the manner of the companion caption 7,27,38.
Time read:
11,51,53
